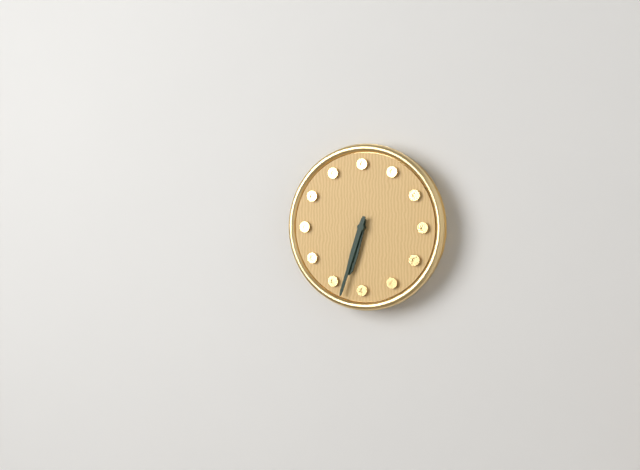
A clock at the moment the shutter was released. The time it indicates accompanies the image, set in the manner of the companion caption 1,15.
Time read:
6,33
